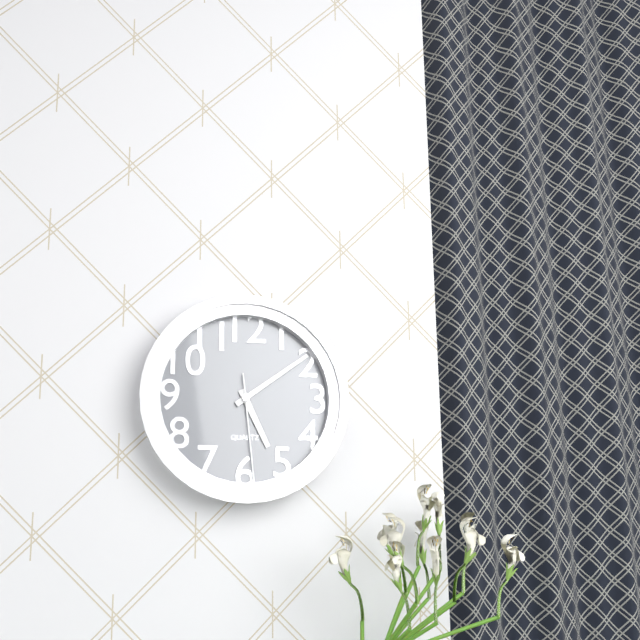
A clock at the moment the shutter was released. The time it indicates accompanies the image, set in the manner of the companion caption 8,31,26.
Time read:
5,09,29
